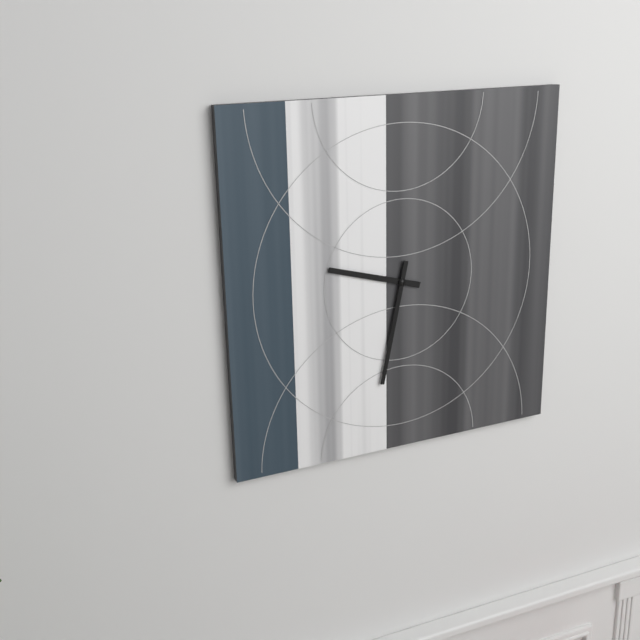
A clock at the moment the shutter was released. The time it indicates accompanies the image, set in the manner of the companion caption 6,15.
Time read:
9,32
